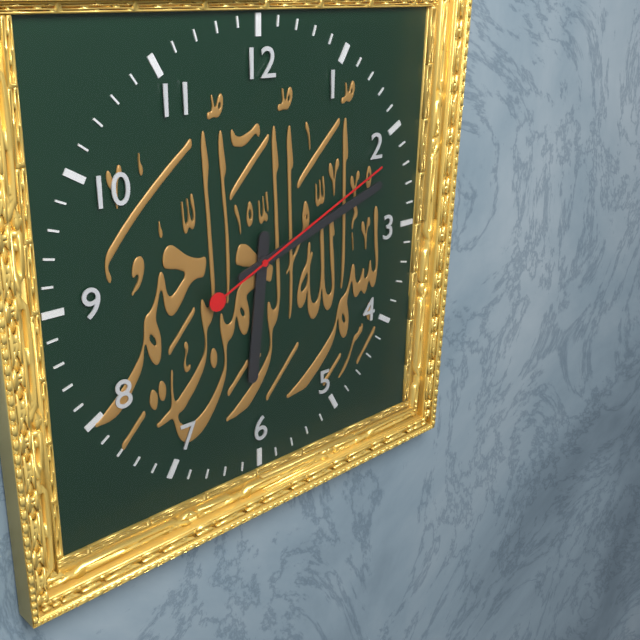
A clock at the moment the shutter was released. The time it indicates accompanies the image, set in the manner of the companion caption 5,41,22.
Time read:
6,12,11
